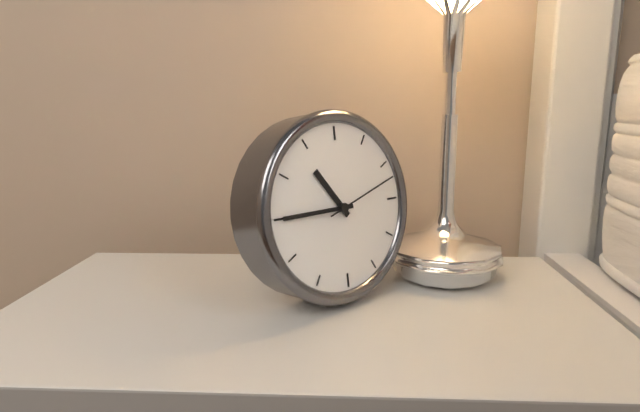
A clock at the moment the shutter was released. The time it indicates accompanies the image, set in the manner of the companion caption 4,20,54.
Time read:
10,45,12
